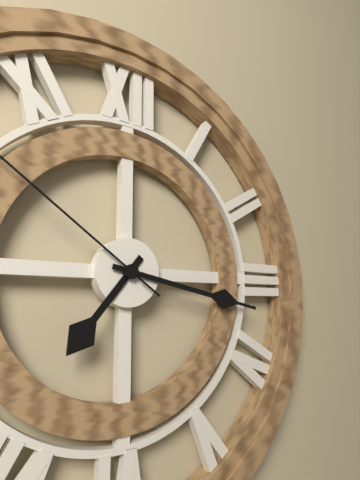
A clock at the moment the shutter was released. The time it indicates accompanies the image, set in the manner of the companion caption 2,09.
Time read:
7,17
